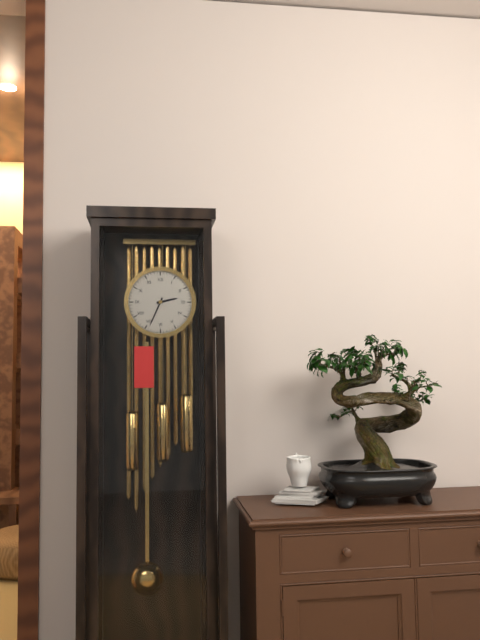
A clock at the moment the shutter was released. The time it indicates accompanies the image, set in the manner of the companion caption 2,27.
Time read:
2,34
